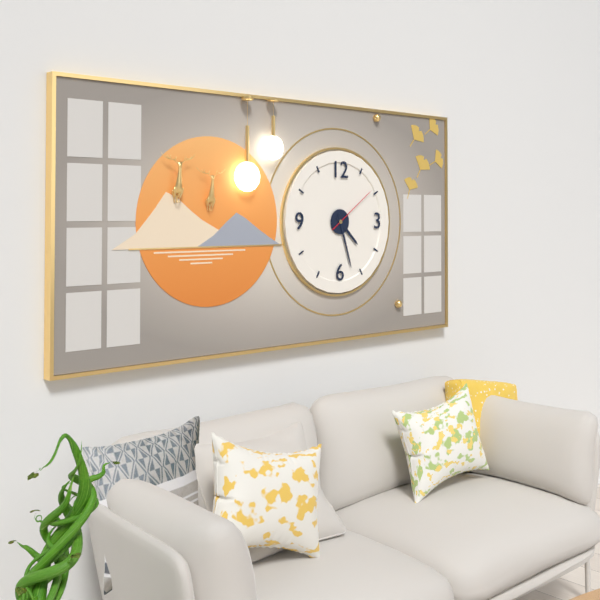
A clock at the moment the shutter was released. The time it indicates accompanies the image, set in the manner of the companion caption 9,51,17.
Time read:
4,27,09
